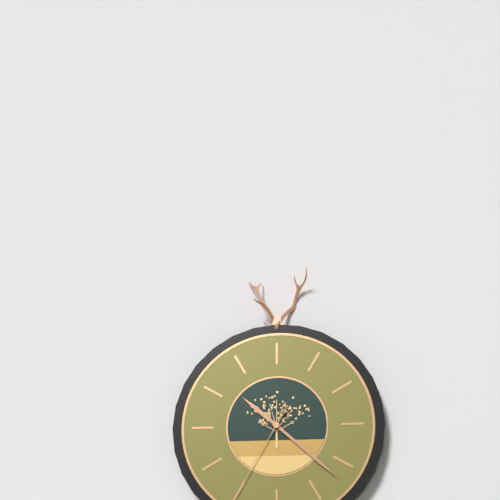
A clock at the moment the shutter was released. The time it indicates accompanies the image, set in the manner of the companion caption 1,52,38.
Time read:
10,22,35
